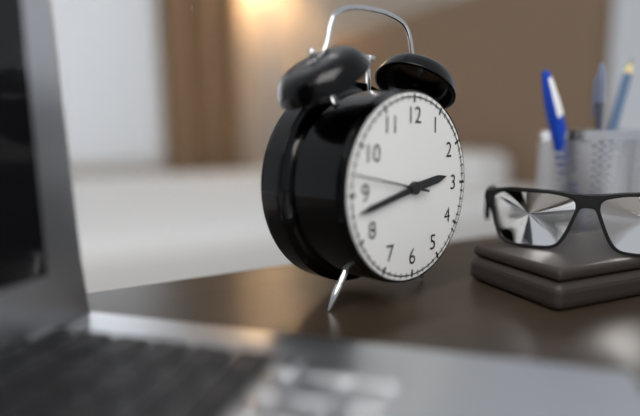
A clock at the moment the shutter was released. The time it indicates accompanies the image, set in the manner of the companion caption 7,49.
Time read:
2,43
